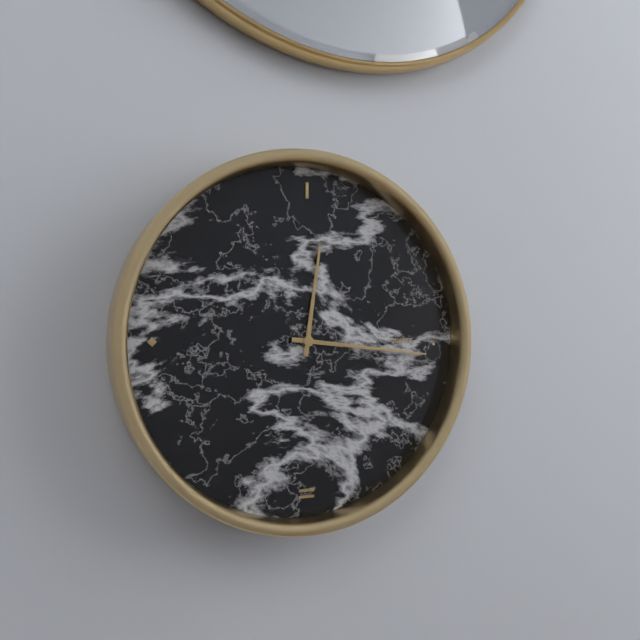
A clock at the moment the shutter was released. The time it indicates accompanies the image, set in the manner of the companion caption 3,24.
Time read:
12,16
